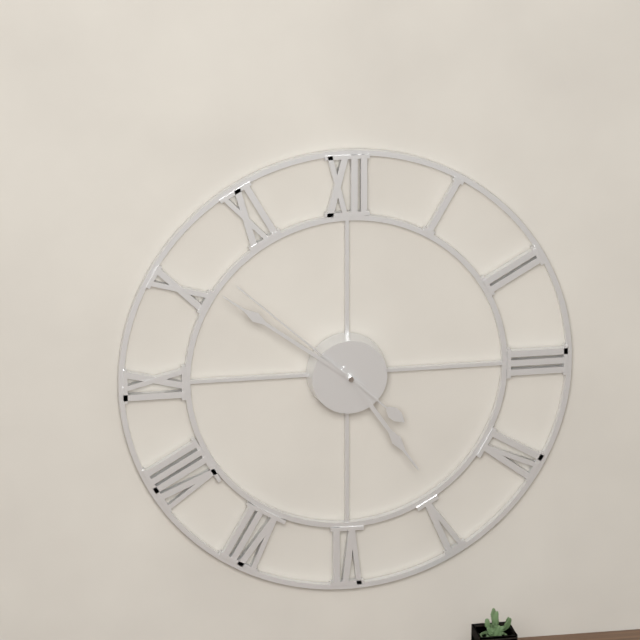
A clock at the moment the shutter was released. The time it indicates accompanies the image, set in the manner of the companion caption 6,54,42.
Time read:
4,51,52
